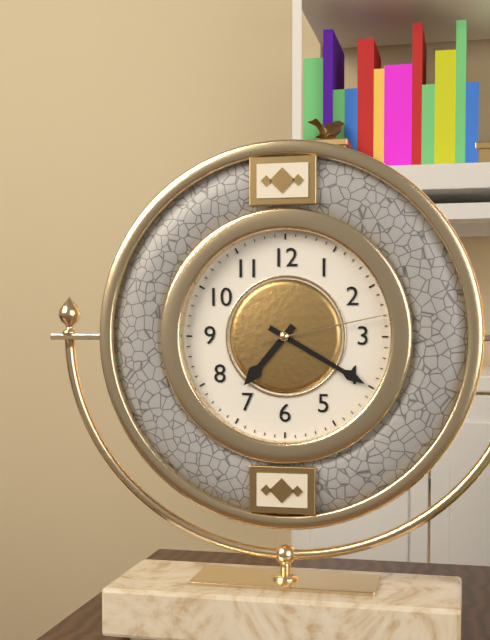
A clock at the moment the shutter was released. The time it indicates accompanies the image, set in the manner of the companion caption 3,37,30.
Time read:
7,20,13
